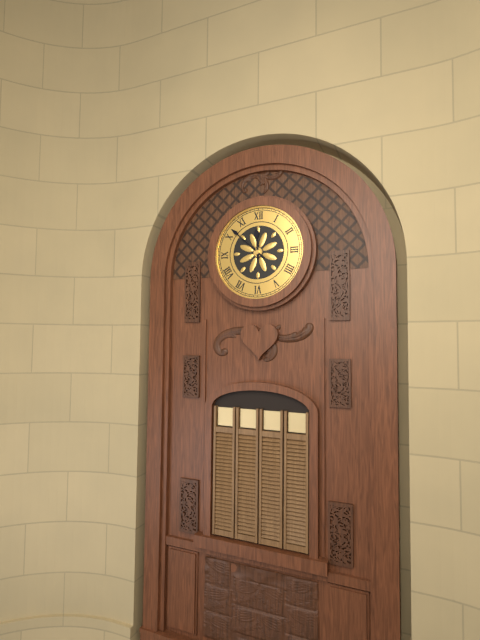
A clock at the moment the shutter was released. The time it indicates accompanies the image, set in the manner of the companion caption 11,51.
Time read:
11,52
